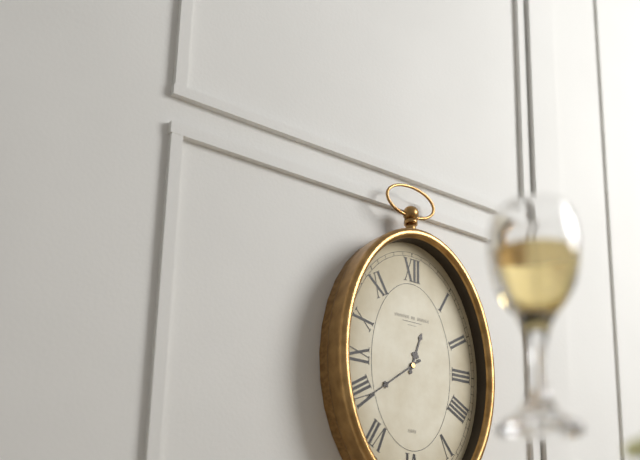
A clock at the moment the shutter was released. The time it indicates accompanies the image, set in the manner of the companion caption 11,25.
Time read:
12,39
